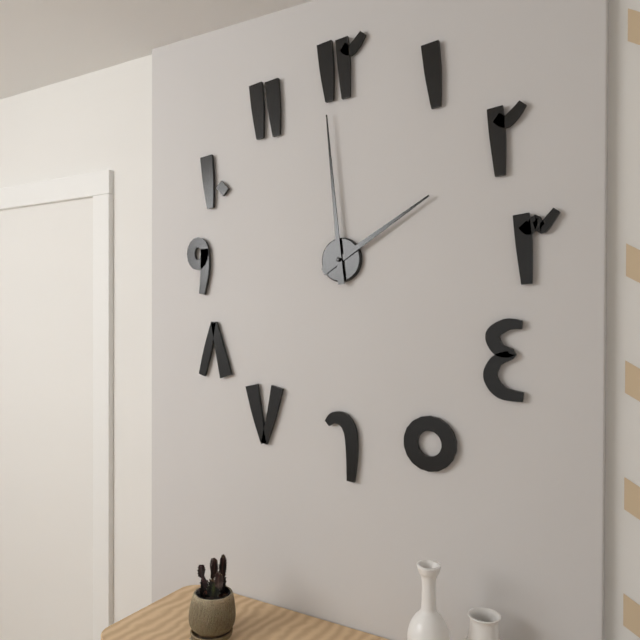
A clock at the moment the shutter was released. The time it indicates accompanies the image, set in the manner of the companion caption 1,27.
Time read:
1,59
